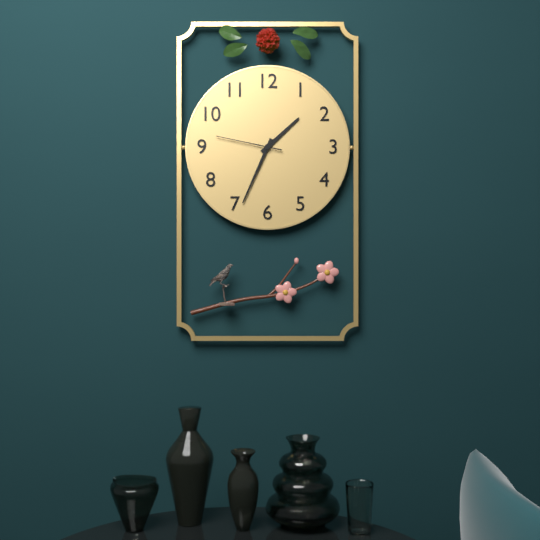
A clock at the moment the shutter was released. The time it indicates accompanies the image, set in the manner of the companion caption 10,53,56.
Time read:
1,34,47
